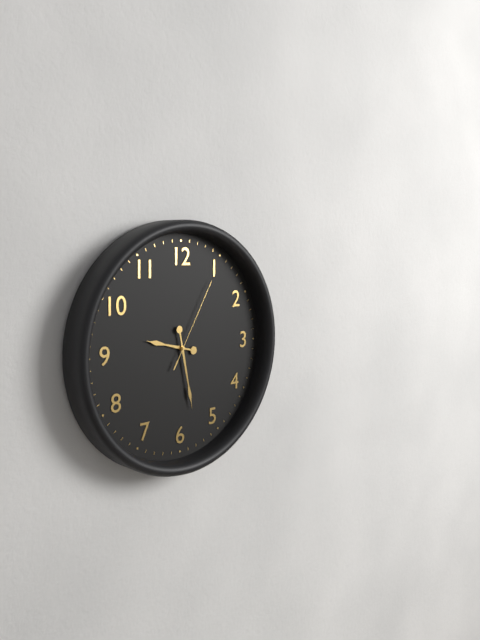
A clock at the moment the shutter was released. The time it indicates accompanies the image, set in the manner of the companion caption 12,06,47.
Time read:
9,28,05
